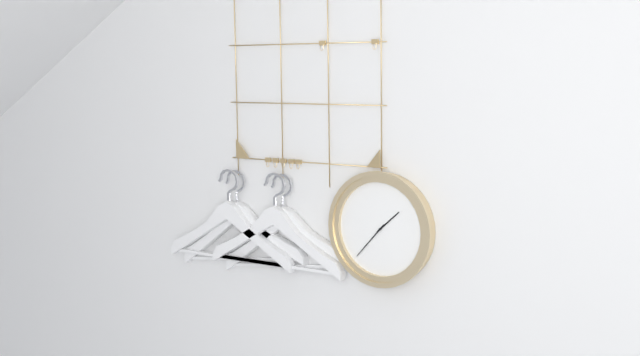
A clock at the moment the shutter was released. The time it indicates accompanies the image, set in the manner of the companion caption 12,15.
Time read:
1,37
